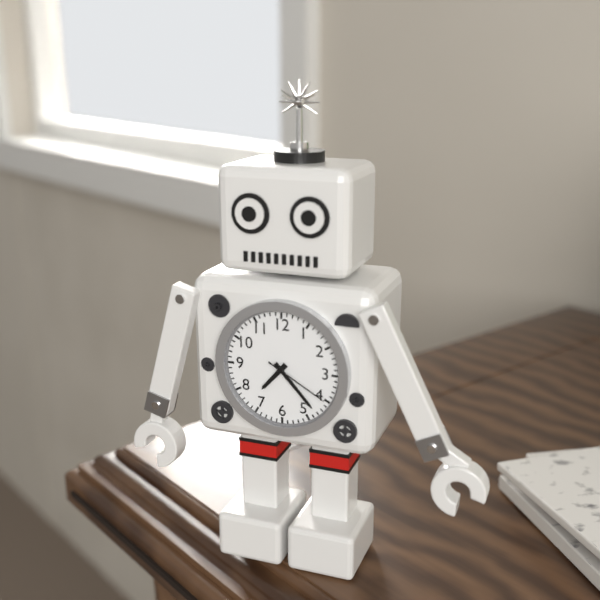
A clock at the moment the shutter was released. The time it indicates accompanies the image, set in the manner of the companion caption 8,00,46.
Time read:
7,23,20
